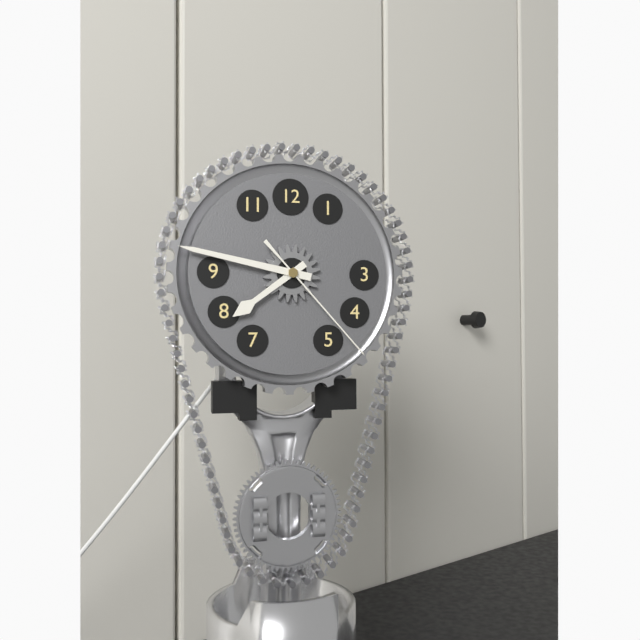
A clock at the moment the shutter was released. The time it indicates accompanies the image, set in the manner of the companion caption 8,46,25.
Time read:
7,47,23
